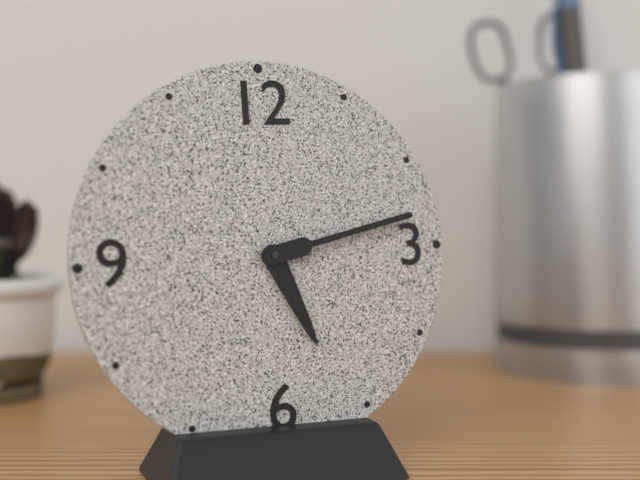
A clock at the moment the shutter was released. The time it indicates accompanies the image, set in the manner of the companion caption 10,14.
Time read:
5,13
